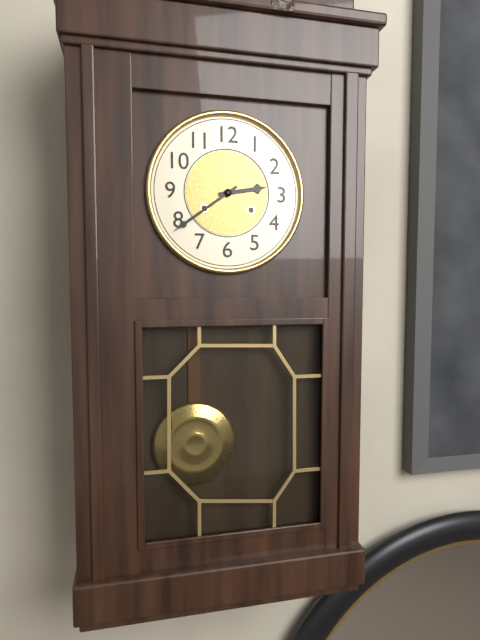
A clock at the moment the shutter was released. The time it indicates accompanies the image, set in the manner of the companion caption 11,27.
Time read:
2,39
